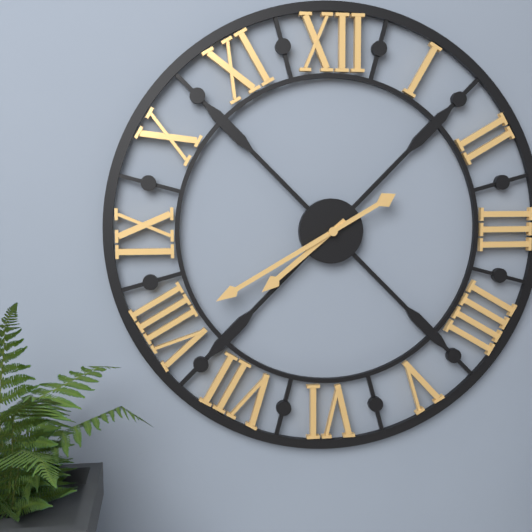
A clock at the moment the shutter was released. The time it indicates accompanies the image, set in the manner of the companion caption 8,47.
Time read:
7,40
